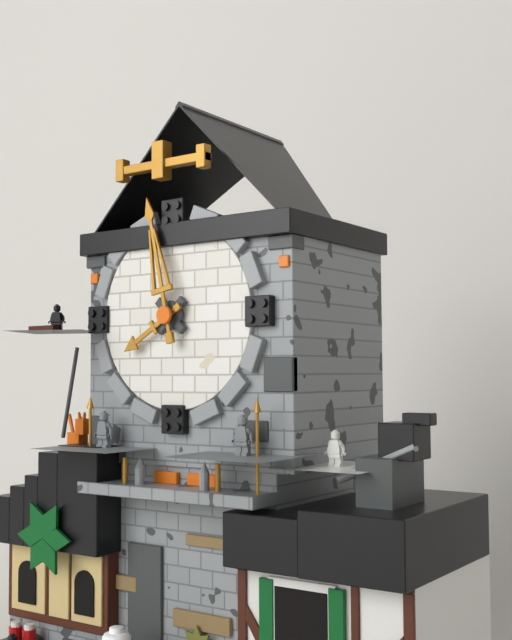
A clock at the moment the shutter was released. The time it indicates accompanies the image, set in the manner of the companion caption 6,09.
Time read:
7,58
